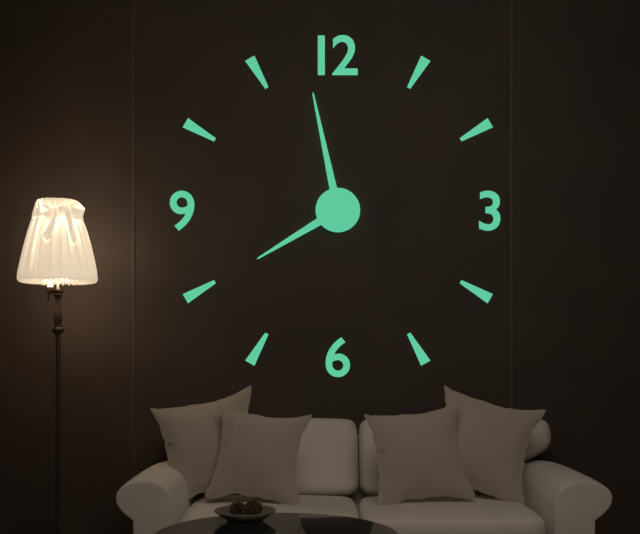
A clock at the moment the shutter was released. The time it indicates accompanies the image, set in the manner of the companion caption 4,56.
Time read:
7,58
